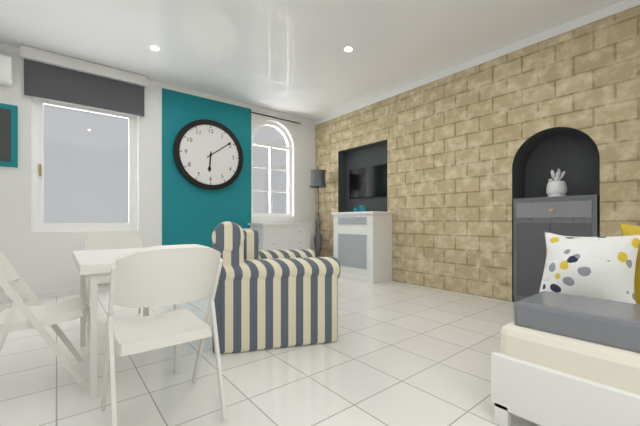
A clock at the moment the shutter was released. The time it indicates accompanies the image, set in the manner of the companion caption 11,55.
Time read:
6,09
